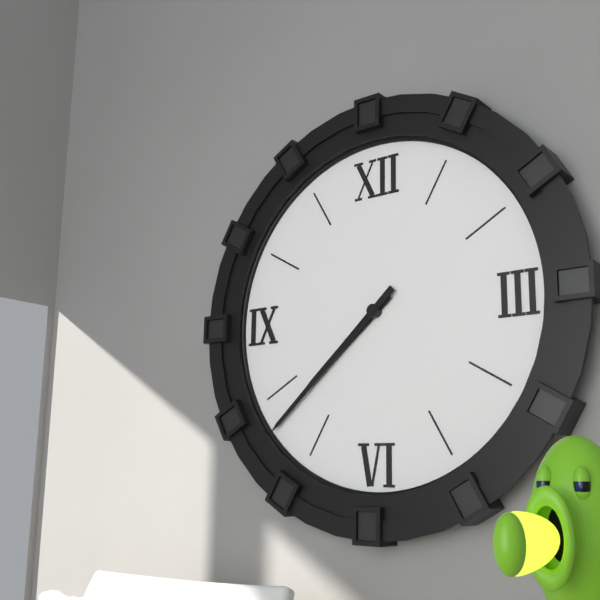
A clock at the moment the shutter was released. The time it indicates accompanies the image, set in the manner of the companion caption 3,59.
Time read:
7,38
